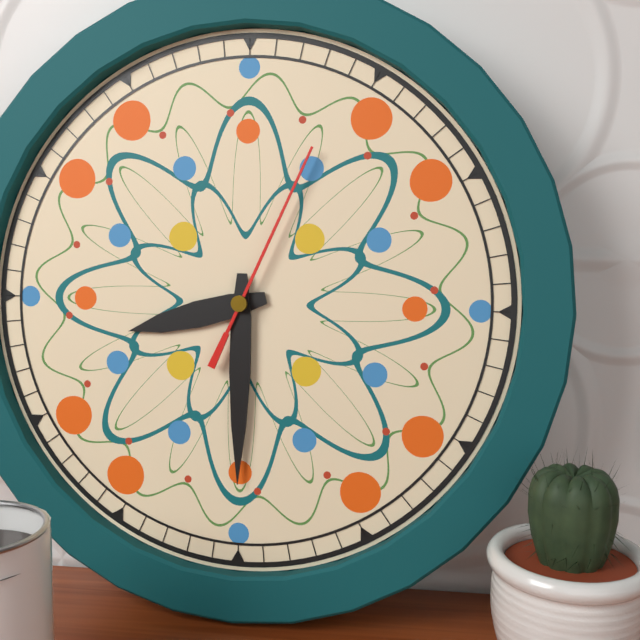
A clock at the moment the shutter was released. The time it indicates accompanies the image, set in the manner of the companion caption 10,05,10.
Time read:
8,30,04
